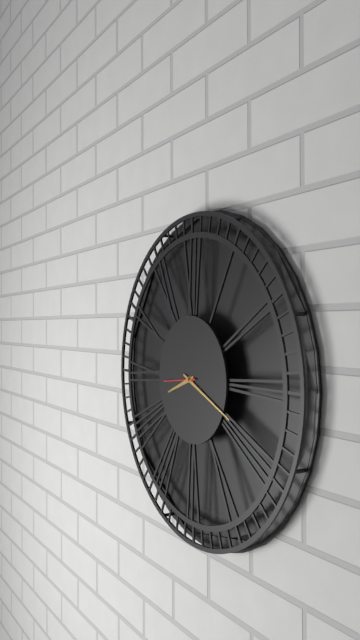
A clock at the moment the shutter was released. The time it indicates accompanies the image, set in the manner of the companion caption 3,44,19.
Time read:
8,19,44
